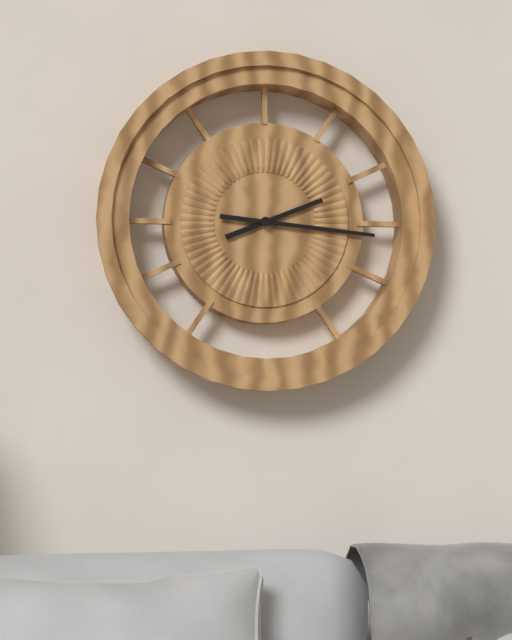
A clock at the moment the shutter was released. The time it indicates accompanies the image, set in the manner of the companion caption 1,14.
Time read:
2,16
